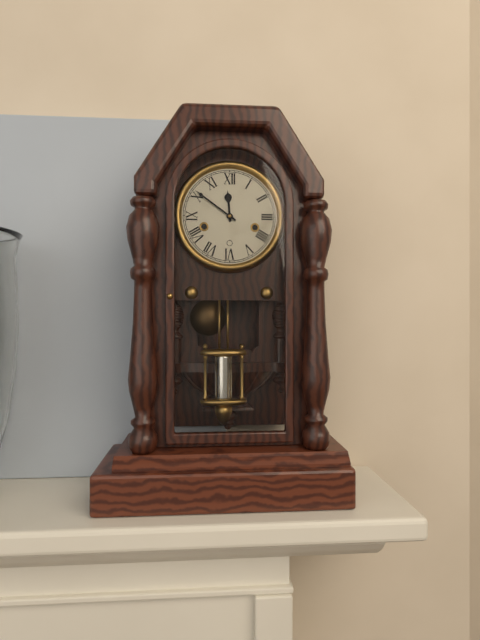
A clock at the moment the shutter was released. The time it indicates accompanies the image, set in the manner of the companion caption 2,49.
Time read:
11,51
